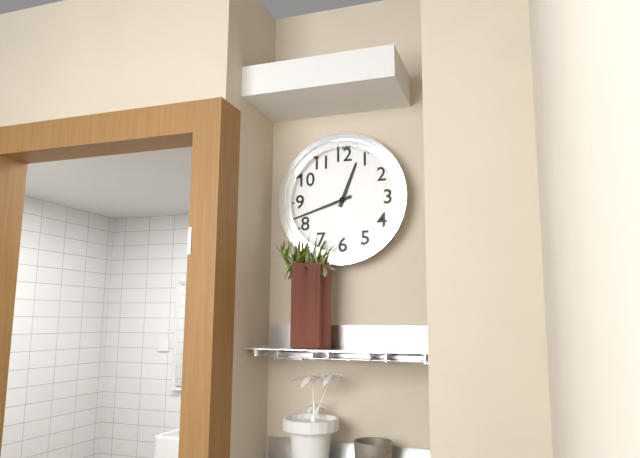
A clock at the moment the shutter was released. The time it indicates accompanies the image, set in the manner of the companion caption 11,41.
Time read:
12,42
